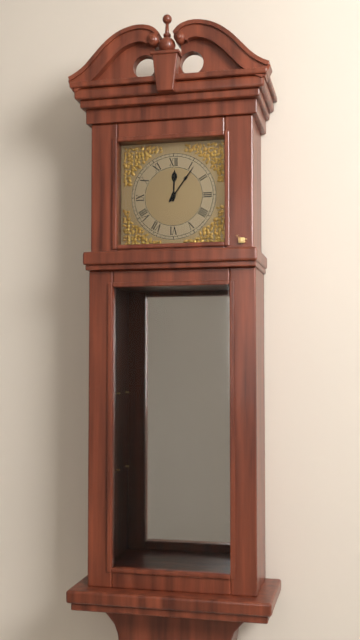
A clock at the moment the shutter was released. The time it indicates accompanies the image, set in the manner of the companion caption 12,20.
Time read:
12,06
